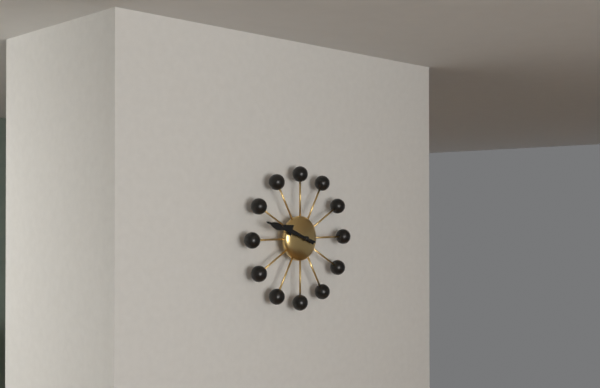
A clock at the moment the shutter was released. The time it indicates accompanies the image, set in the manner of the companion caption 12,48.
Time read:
9,48
